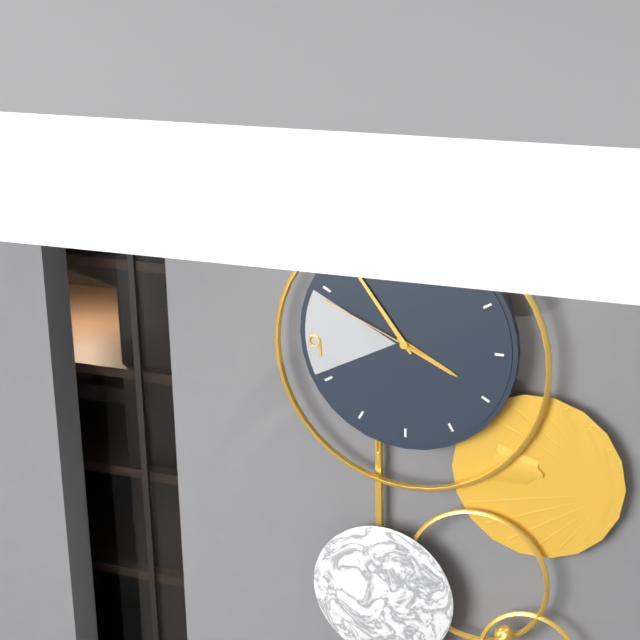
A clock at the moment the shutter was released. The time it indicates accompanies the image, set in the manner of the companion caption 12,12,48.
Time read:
3,54,49
